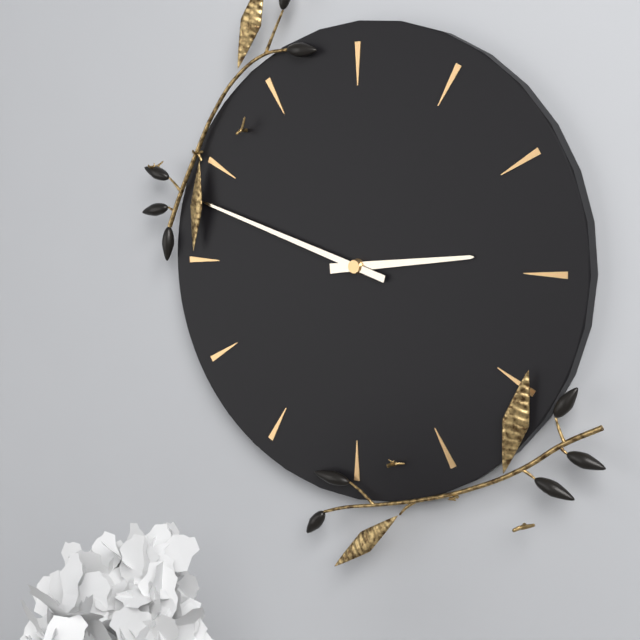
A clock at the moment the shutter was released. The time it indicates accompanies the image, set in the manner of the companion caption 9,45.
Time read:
2,48
